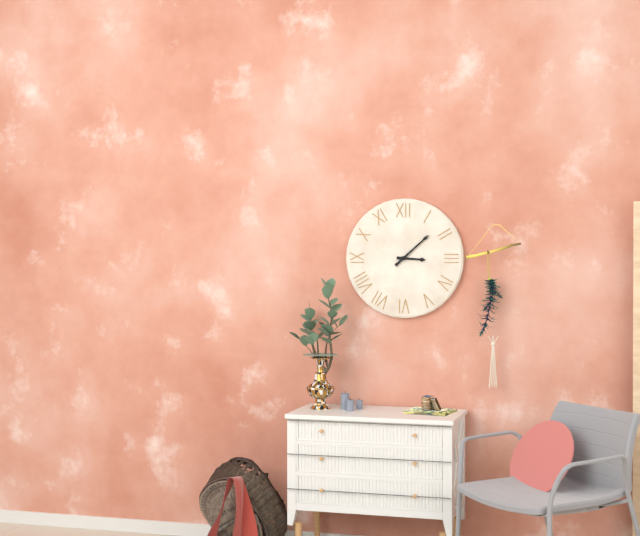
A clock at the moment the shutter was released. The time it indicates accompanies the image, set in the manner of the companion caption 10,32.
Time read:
3,08
